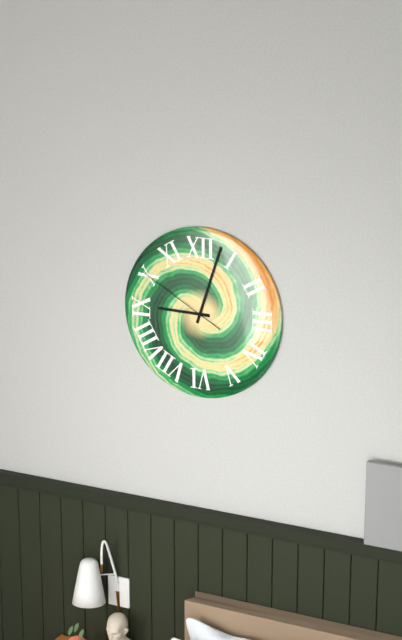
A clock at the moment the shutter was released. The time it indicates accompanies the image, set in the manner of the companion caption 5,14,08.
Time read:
9,03,50
